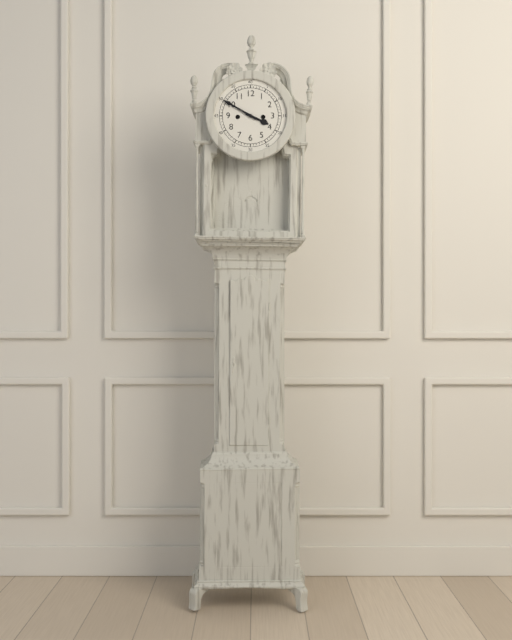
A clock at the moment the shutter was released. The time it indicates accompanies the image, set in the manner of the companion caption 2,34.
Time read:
3,50
